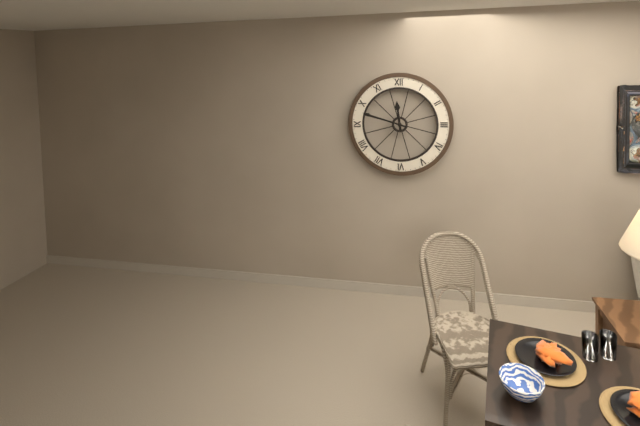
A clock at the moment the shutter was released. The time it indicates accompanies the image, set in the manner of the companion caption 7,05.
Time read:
11,48
